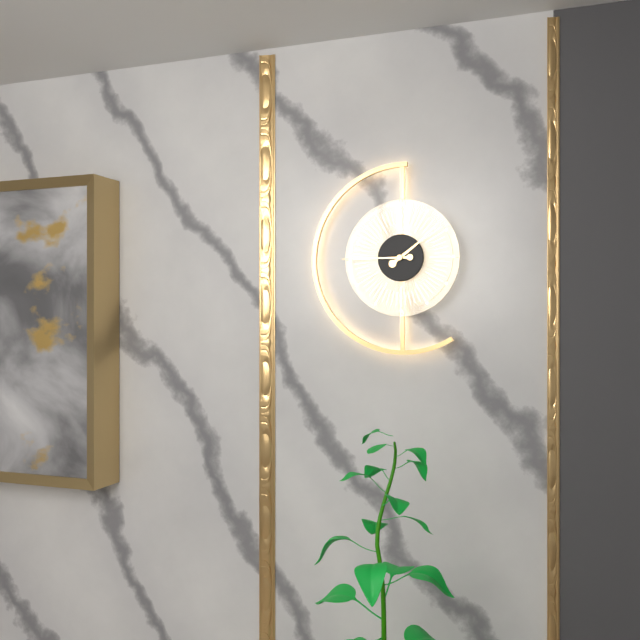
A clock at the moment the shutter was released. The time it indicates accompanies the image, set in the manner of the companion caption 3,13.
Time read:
1,45
